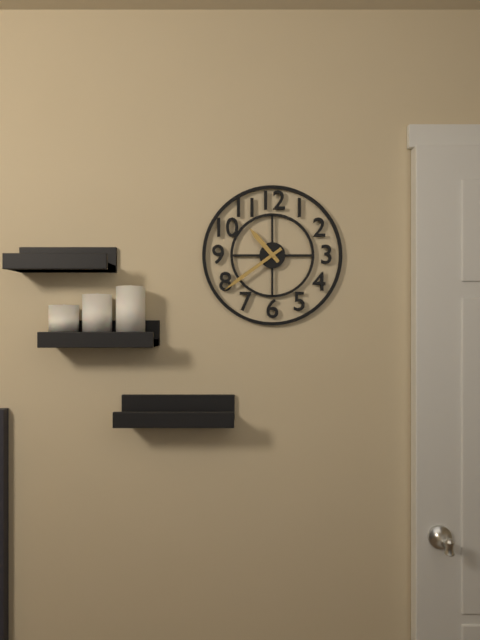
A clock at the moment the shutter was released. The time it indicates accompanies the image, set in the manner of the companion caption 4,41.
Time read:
10,39
